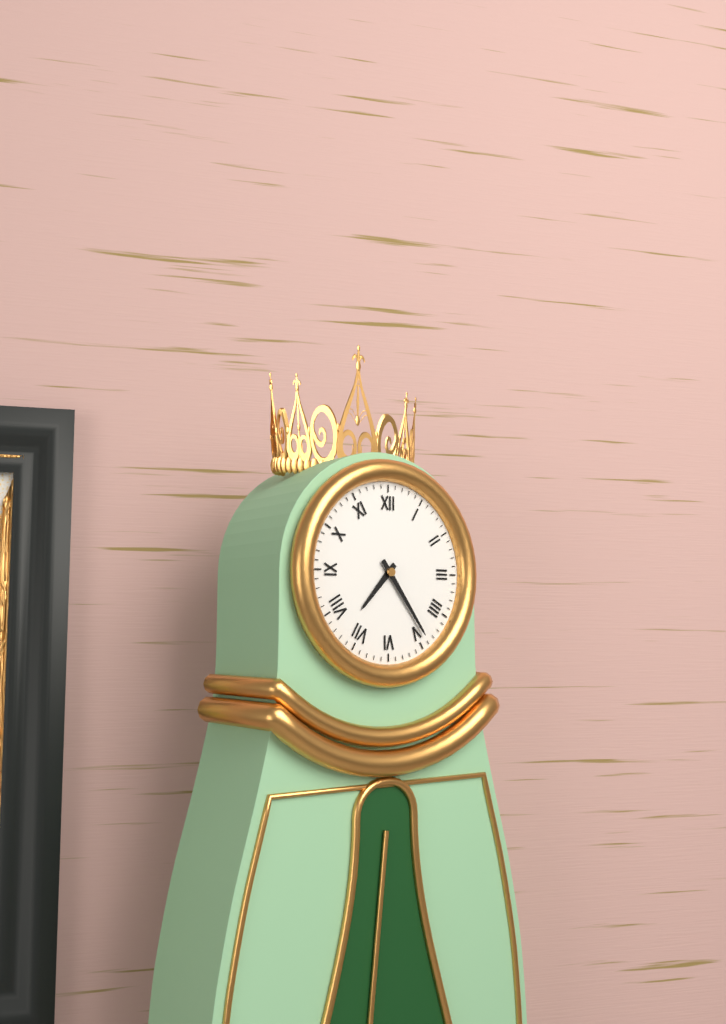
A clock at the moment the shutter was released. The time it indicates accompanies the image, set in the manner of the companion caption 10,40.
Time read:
7,24
